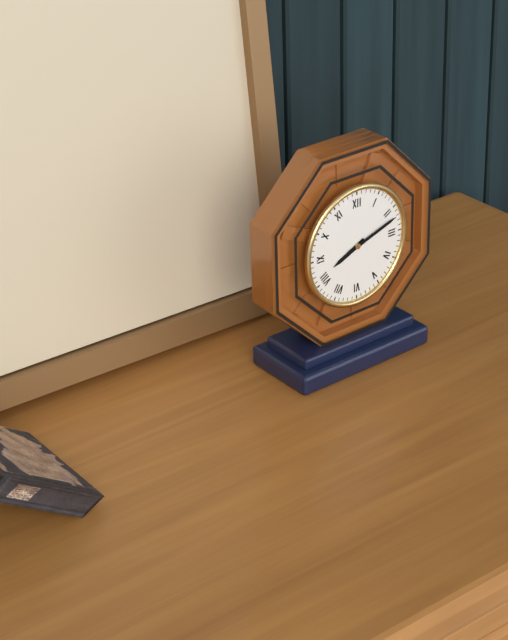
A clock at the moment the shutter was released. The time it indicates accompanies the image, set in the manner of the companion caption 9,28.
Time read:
8,12
